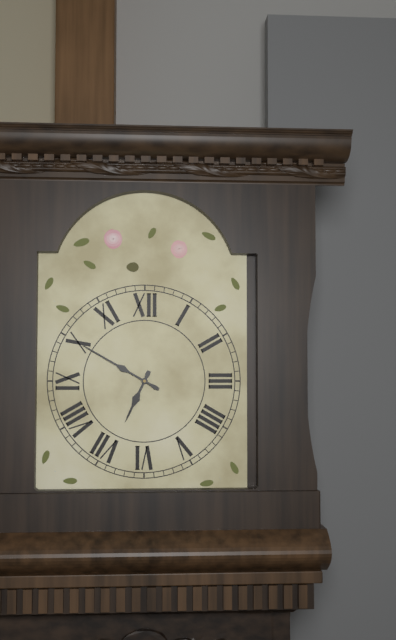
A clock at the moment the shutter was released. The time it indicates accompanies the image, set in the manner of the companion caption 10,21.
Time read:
6,50
